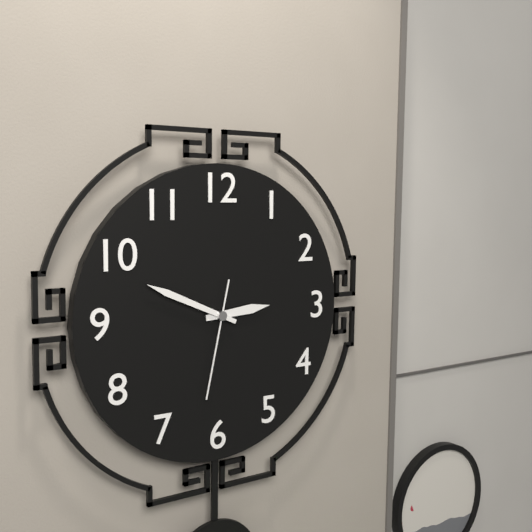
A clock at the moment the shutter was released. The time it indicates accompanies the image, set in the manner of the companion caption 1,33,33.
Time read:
2,49,32
